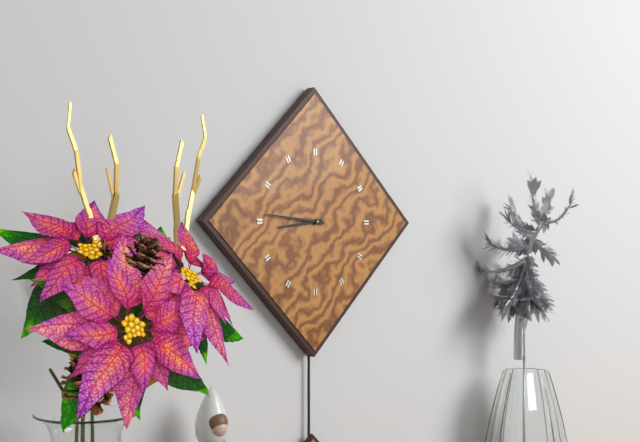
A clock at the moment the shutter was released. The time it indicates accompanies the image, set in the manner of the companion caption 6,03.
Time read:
8,46
